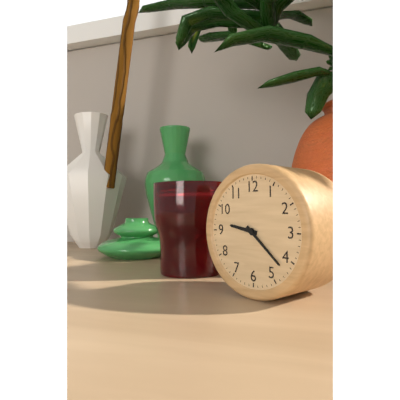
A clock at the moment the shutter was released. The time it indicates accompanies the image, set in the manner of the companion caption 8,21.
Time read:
9,22
